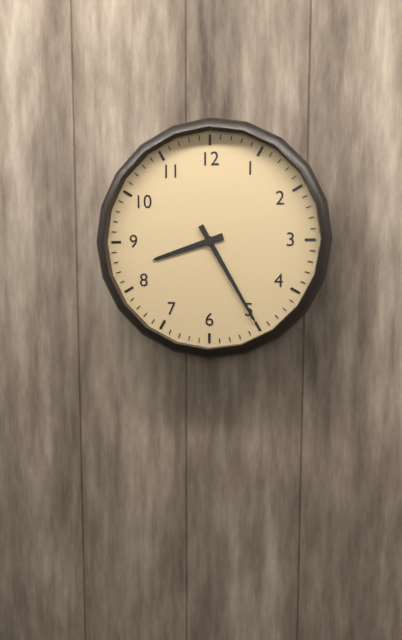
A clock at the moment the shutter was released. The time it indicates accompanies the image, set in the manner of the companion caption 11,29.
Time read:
8,25
